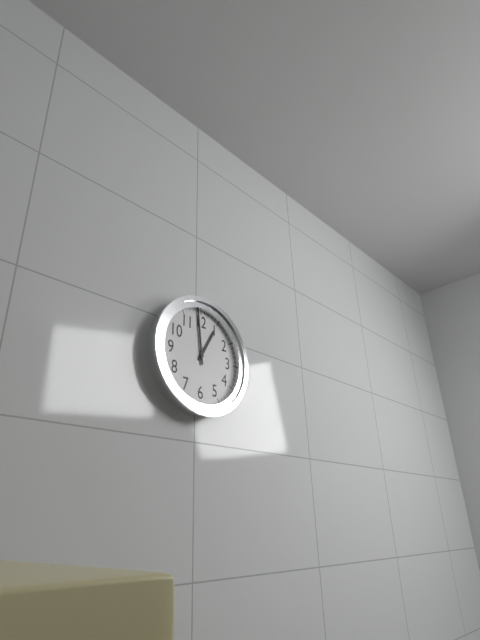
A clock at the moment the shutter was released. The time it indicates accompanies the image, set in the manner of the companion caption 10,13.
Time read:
12,59
